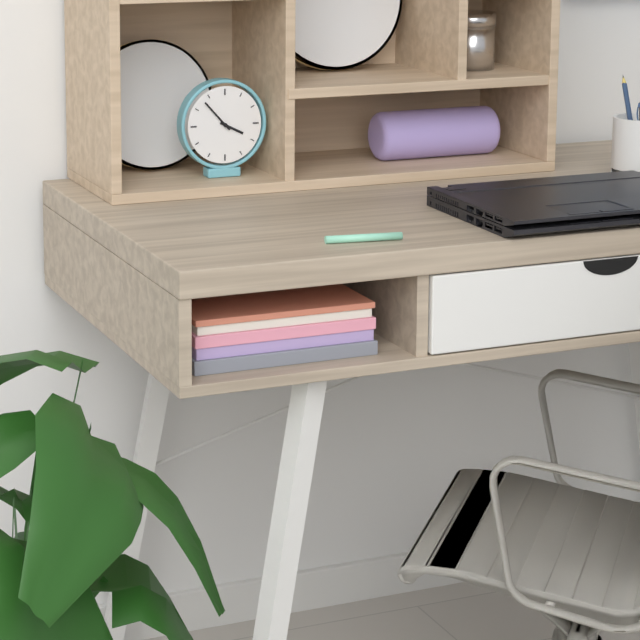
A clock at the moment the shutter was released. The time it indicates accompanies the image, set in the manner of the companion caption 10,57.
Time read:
3,53
